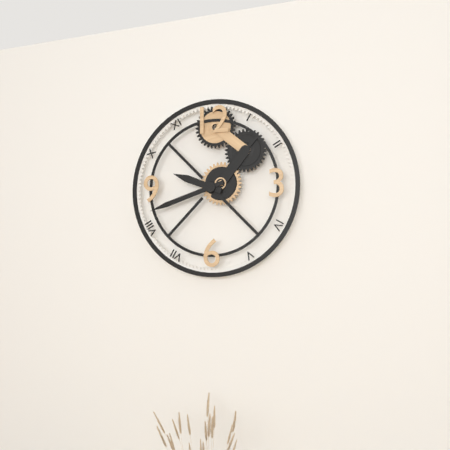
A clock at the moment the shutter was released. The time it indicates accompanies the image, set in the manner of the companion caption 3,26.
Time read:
9,42
